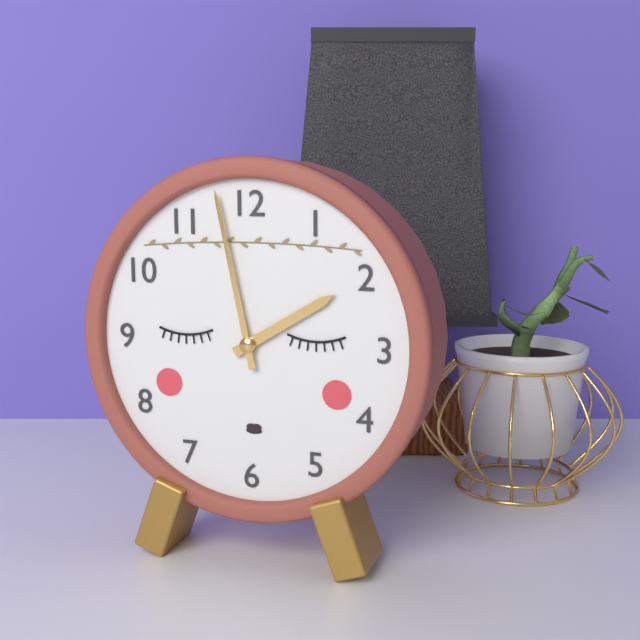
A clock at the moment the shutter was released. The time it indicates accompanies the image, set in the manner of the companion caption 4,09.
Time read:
1,58
